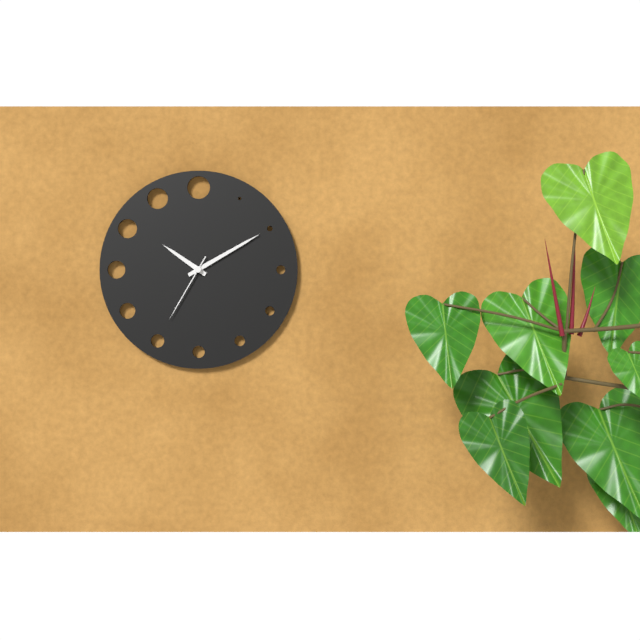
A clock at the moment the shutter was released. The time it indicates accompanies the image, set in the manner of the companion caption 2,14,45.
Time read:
10,10,35
